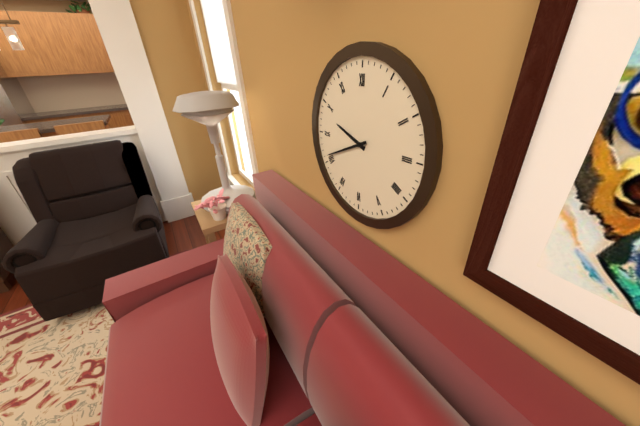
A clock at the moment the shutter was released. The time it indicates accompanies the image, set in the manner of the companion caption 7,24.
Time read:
9,41
